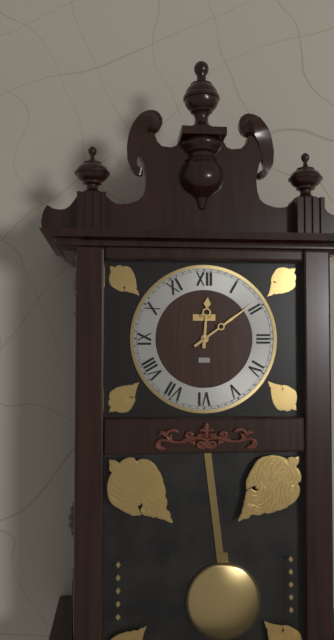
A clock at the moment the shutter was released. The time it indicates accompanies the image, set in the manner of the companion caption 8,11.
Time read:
12,09
